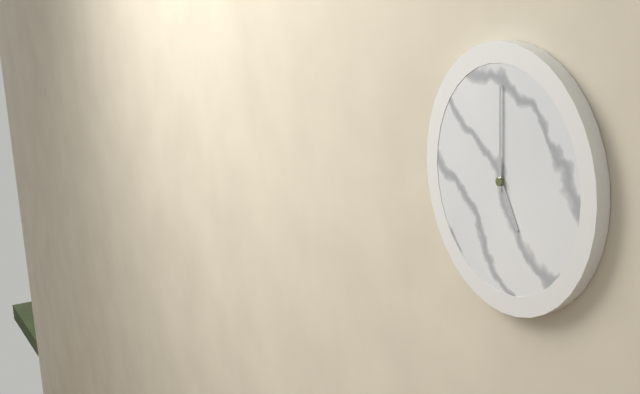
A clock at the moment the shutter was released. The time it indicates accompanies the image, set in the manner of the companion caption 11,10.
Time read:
5,00
